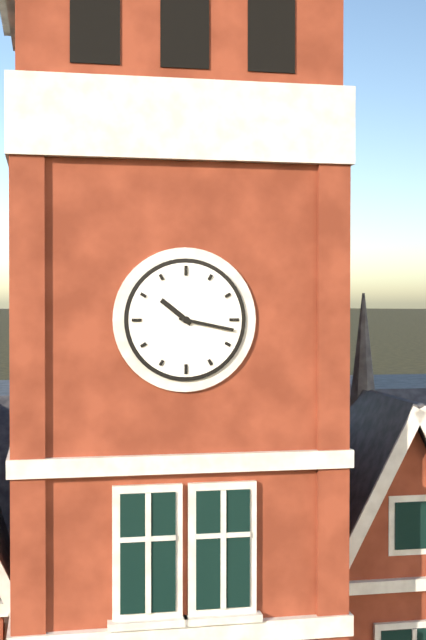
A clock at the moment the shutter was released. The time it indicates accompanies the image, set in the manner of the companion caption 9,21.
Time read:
10,17
